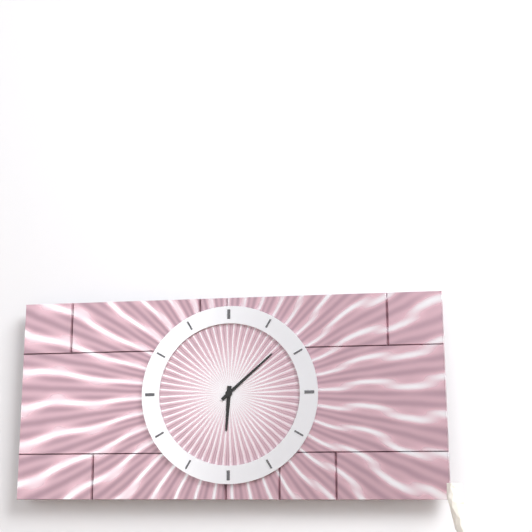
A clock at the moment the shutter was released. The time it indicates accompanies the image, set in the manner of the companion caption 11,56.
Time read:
6,08
